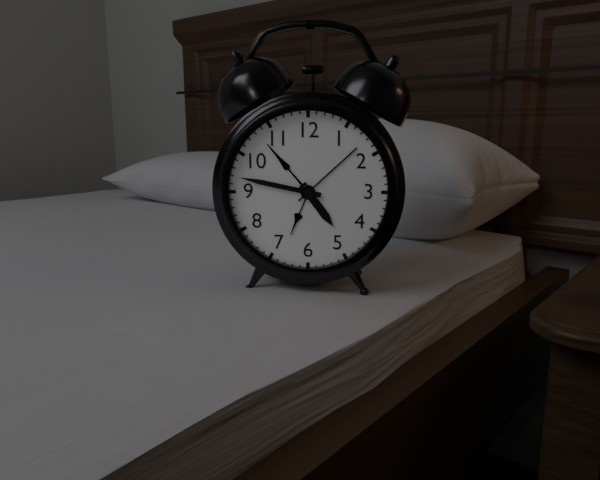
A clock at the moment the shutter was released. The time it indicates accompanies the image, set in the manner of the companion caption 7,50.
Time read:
4,47
